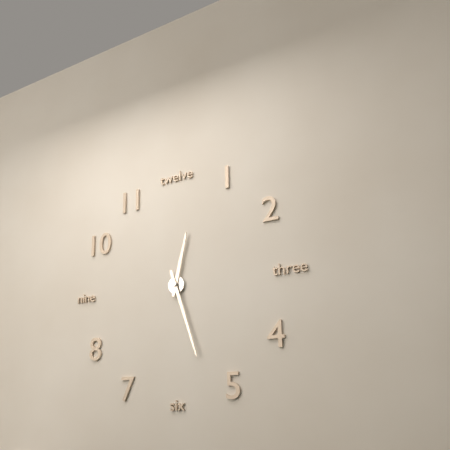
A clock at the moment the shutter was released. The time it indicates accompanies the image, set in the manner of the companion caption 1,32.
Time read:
12,27
